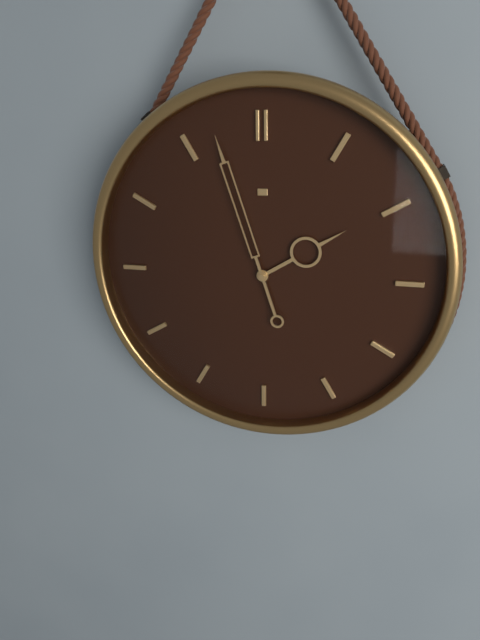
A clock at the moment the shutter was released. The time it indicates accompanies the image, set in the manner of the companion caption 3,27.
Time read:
1,57
